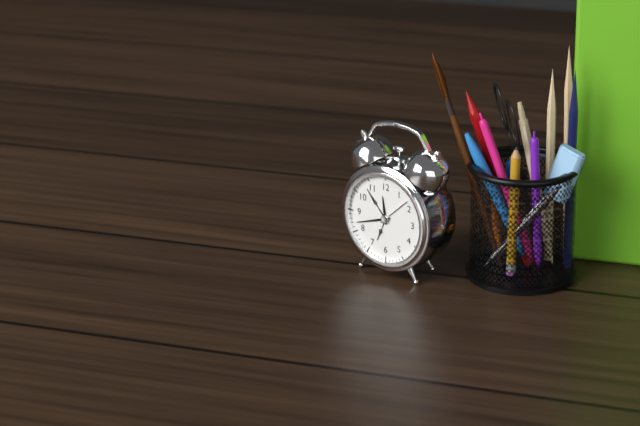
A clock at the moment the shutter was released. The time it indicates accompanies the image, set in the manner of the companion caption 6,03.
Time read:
11,42
